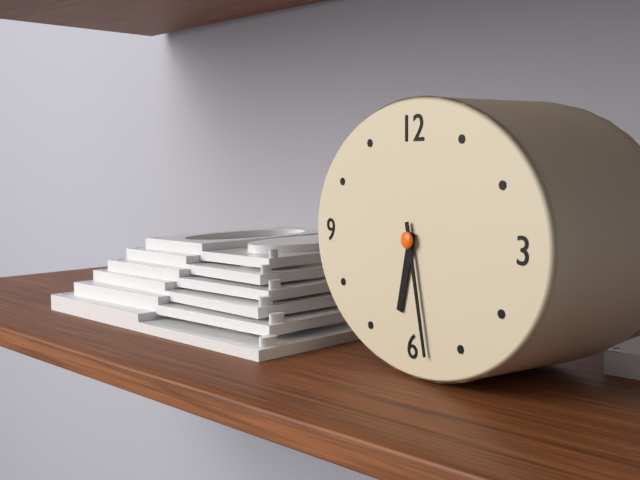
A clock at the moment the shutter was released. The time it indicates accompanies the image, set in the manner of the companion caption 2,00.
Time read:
6,28
